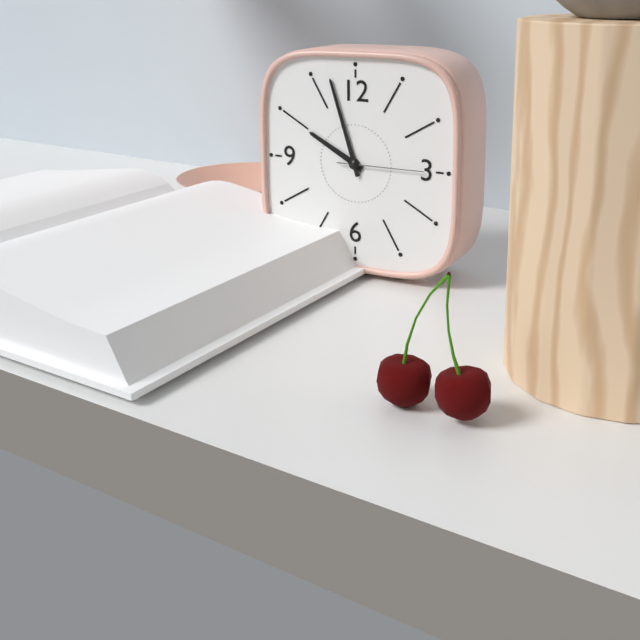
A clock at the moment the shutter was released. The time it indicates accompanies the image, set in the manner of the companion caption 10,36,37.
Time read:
9,57,15
